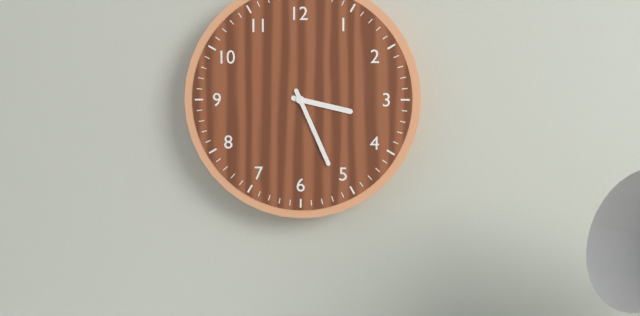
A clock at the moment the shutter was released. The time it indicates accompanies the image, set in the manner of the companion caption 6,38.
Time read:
3,26
